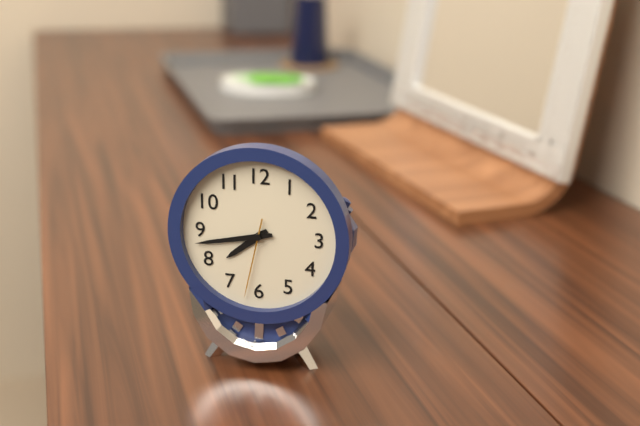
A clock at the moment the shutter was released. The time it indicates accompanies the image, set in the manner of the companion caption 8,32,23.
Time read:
7,43,32
